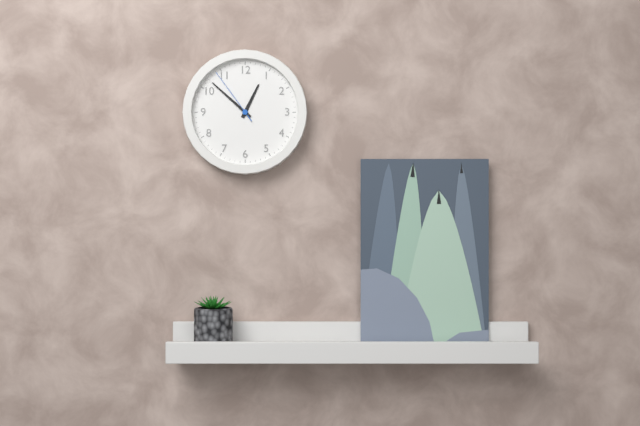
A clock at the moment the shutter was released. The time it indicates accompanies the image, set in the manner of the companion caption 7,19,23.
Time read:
12,52,54
